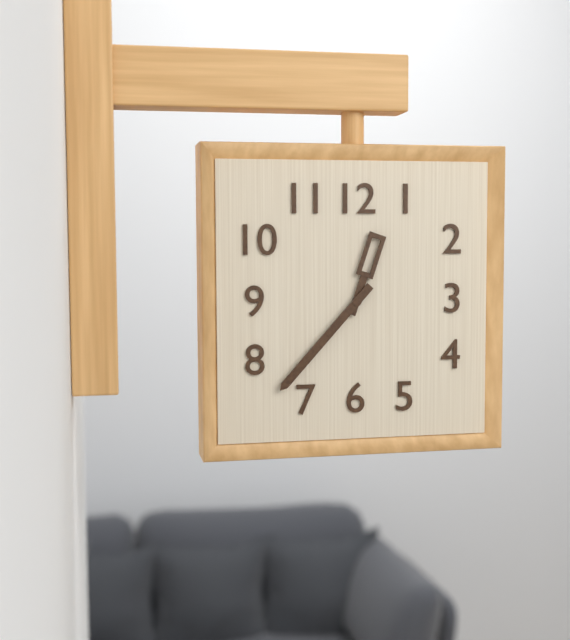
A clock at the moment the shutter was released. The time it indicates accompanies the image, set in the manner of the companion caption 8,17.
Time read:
12,37
